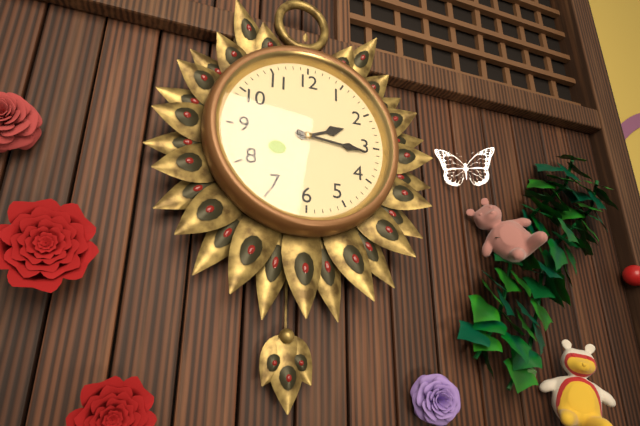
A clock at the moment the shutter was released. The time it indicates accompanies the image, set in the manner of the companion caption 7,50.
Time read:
2,16
